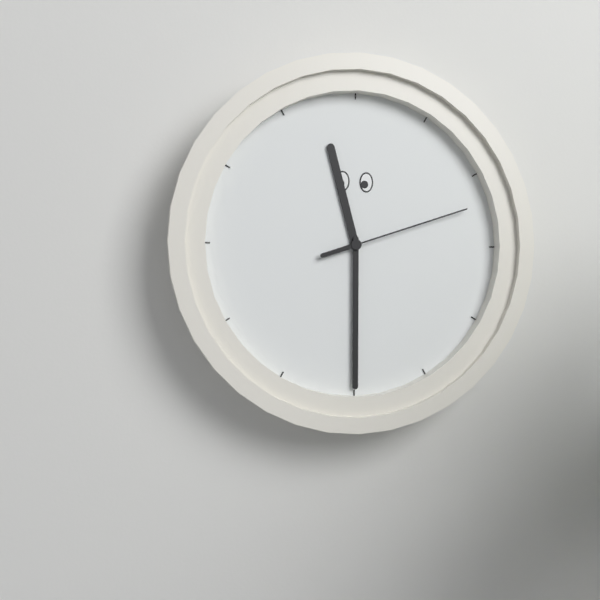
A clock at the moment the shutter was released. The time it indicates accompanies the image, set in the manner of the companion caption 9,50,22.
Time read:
11,30,12
